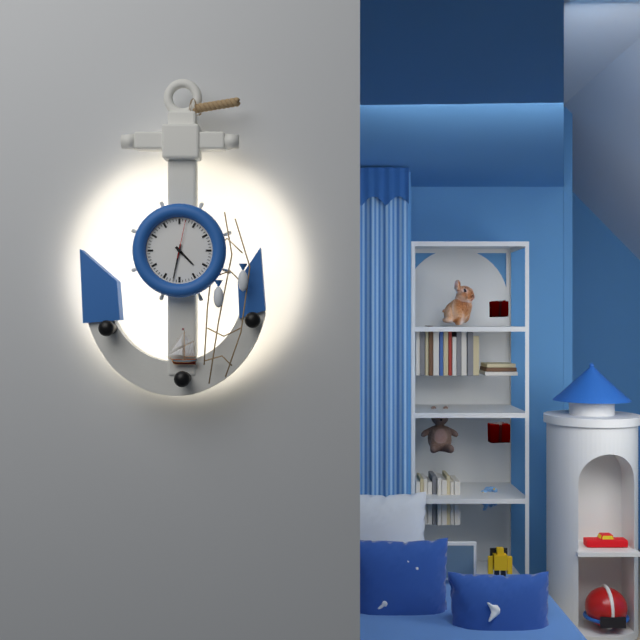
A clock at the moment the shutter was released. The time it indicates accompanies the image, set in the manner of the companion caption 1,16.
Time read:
4,32
